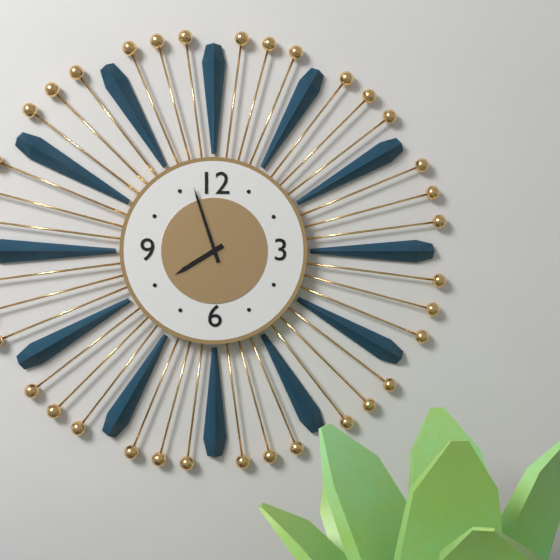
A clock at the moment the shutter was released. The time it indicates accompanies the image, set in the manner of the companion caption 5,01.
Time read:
7,57
